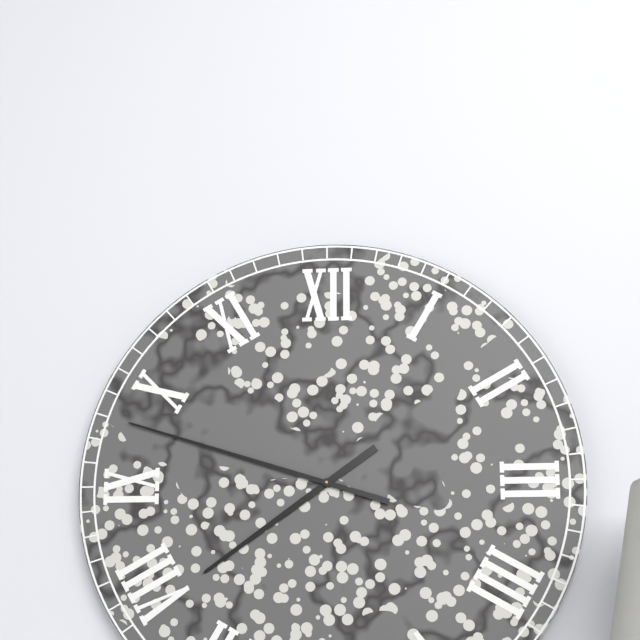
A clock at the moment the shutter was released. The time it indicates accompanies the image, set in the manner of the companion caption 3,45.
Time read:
7,48
